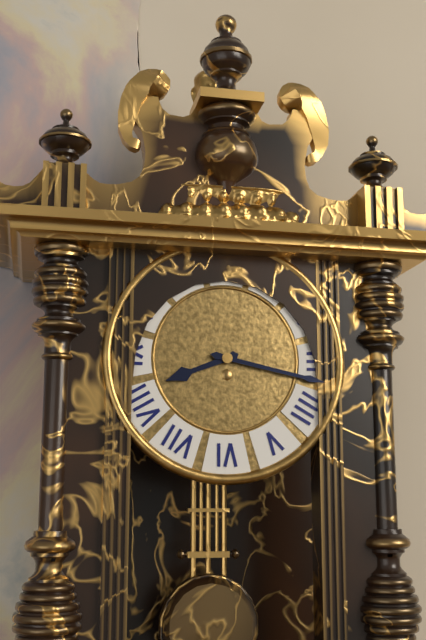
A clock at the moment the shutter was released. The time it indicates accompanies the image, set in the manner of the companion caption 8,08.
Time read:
8,17
